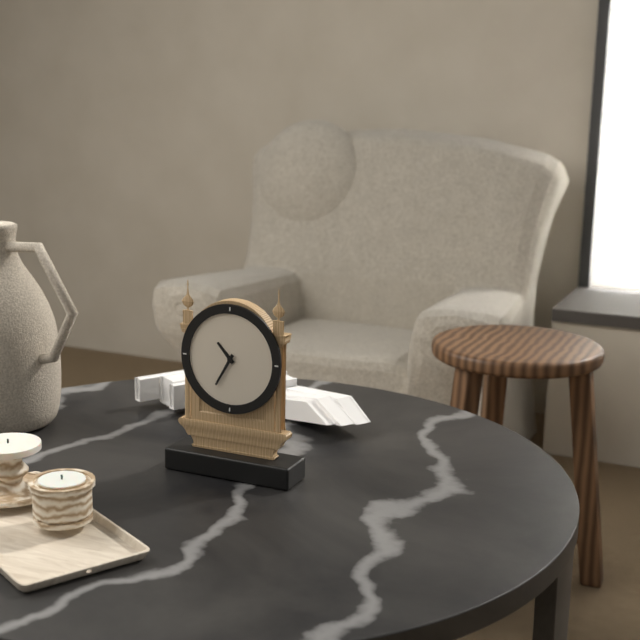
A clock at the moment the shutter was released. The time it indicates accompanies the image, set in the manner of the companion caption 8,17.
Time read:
10,35
